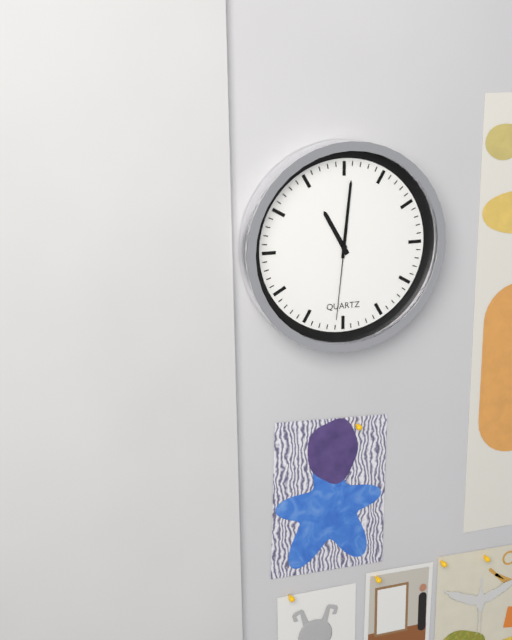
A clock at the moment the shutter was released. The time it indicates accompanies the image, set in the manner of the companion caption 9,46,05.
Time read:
11,01,31
